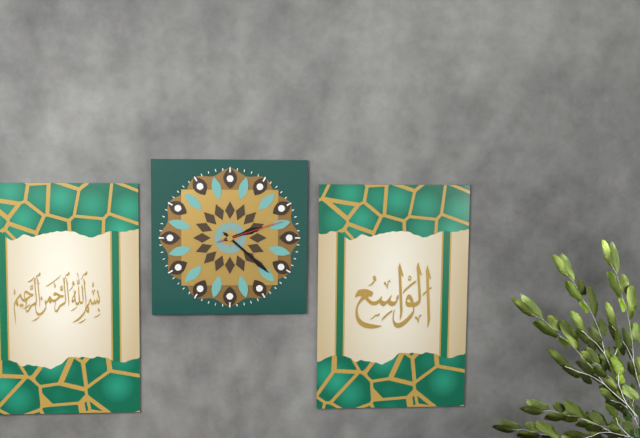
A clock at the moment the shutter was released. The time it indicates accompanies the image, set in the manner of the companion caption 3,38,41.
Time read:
2,22,12
